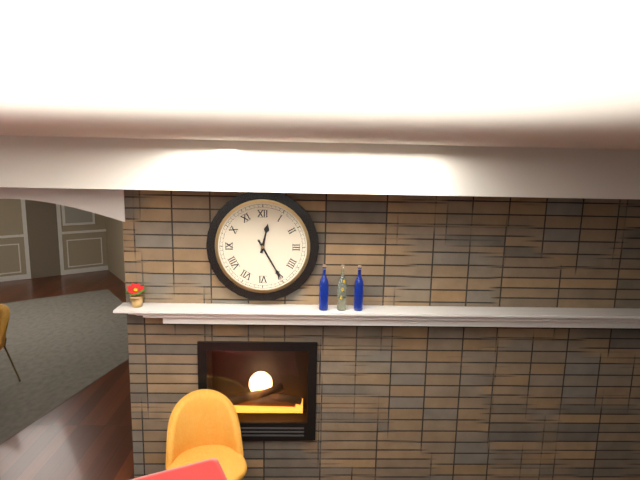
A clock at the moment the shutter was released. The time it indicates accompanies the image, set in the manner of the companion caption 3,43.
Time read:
12,25
